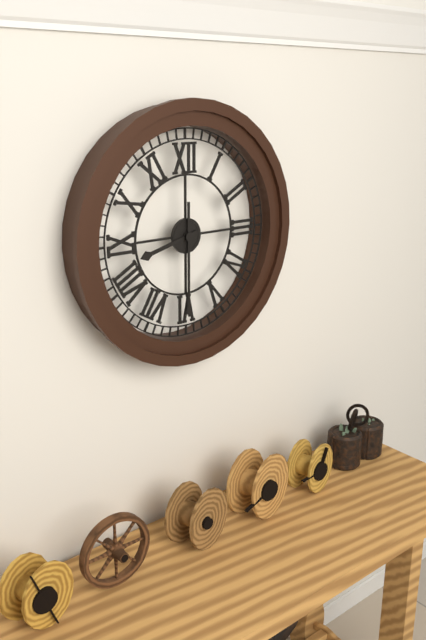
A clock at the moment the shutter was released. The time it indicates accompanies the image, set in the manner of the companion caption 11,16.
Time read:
8,30
